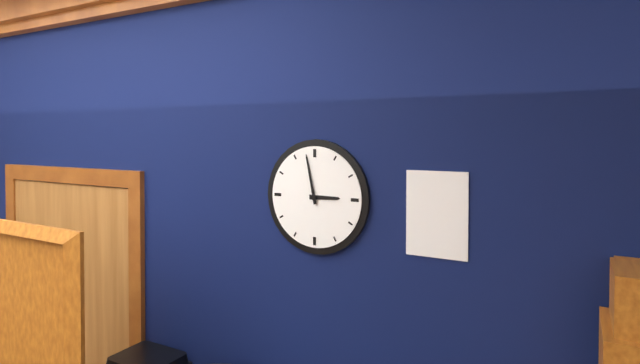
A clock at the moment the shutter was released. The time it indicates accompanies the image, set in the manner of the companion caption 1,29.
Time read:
2,58
